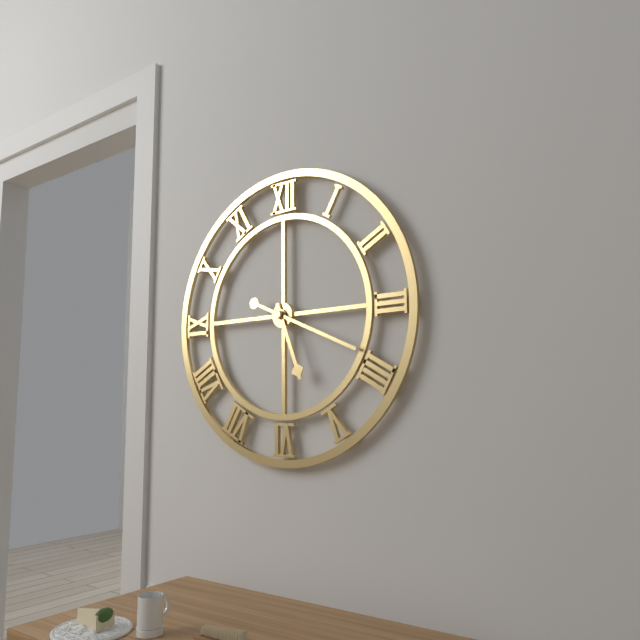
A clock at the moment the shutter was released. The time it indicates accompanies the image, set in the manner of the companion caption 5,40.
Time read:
5,19
